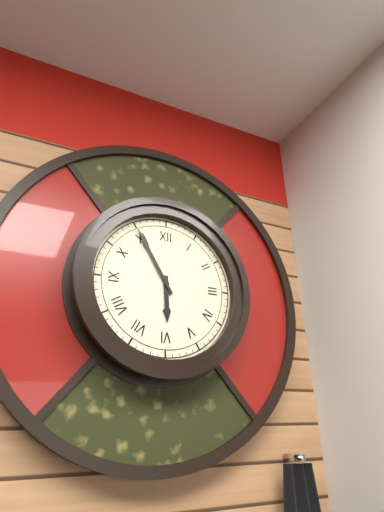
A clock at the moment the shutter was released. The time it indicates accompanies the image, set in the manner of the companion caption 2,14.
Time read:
5,55
